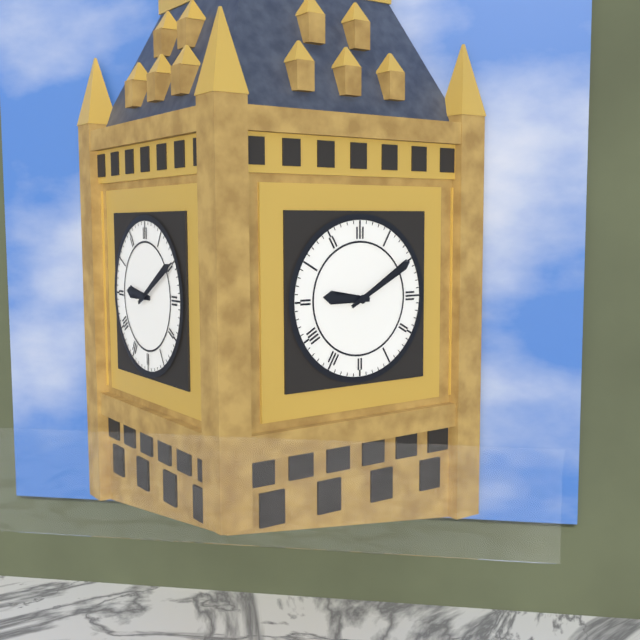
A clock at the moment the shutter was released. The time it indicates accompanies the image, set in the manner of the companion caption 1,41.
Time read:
9,10
